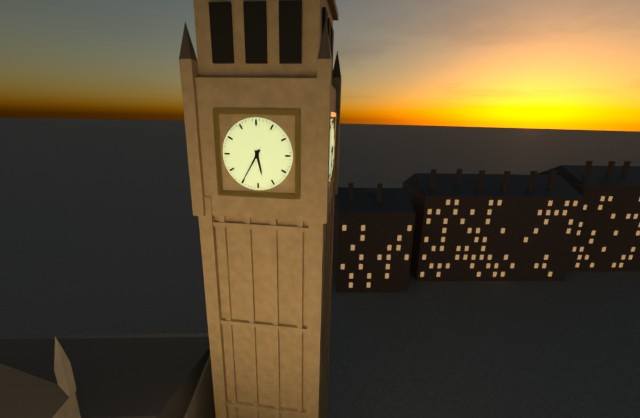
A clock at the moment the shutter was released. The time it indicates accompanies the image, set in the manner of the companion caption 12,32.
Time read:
5,35
